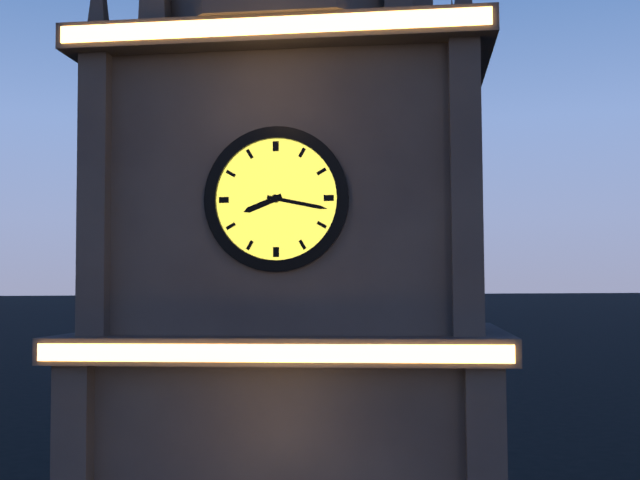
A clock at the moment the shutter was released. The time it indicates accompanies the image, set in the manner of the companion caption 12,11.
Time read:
8,17
